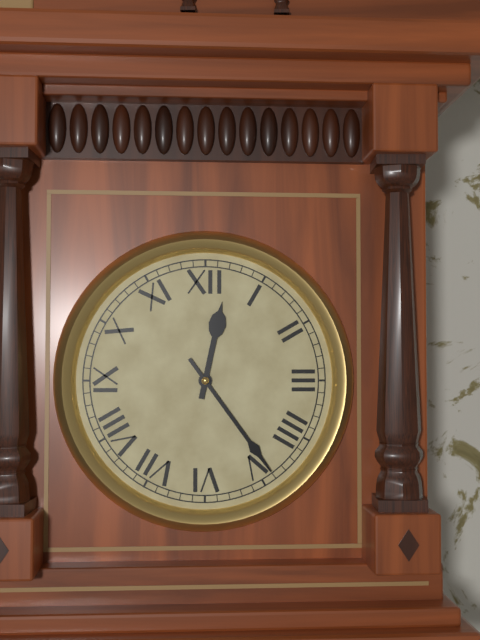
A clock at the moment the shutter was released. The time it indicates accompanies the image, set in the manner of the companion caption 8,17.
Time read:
12,24
